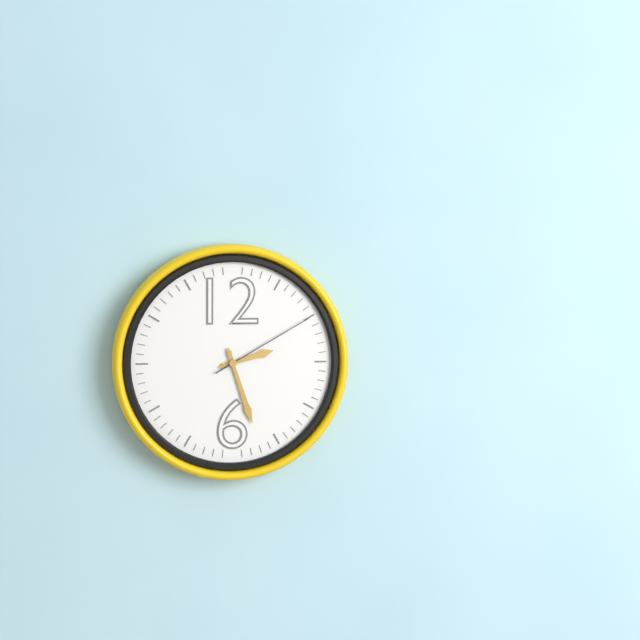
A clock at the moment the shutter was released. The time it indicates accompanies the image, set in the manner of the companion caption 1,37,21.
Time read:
2,27,10
